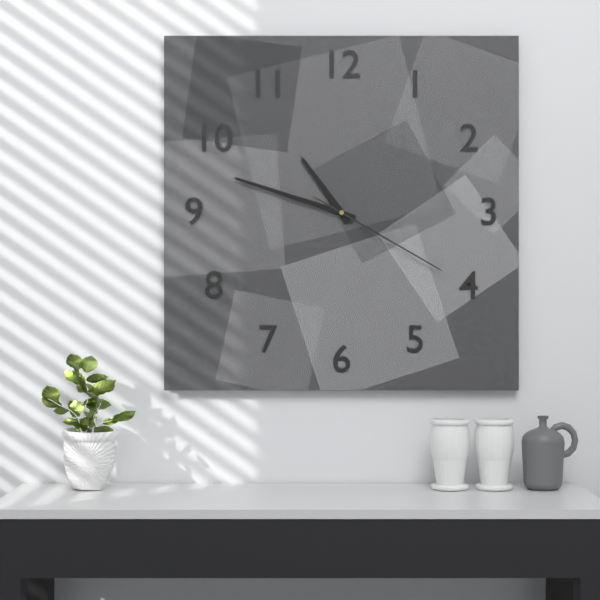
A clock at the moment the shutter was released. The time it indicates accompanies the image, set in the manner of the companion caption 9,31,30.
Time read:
10,48,20
